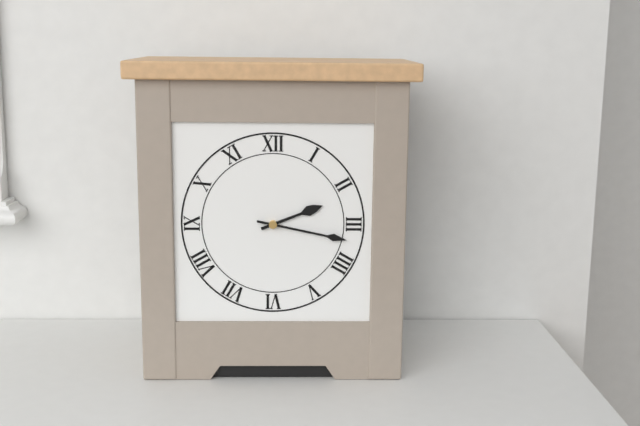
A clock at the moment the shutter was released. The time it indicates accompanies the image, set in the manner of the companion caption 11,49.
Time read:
2,17
